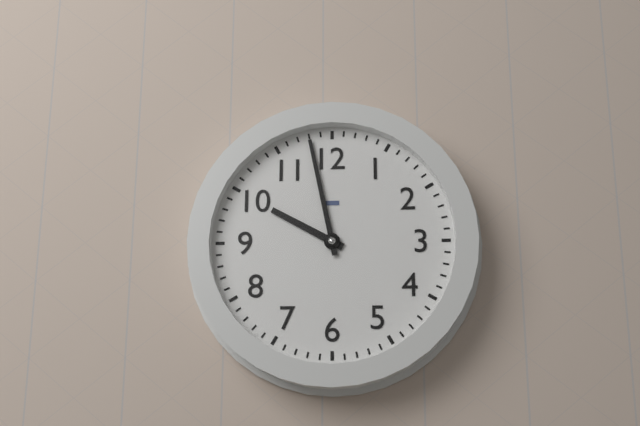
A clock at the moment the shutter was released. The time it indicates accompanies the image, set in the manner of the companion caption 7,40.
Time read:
9,58
